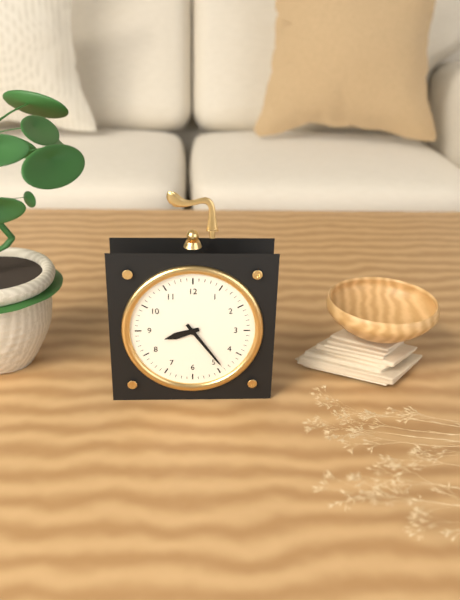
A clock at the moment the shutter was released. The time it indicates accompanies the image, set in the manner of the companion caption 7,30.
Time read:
8,24
